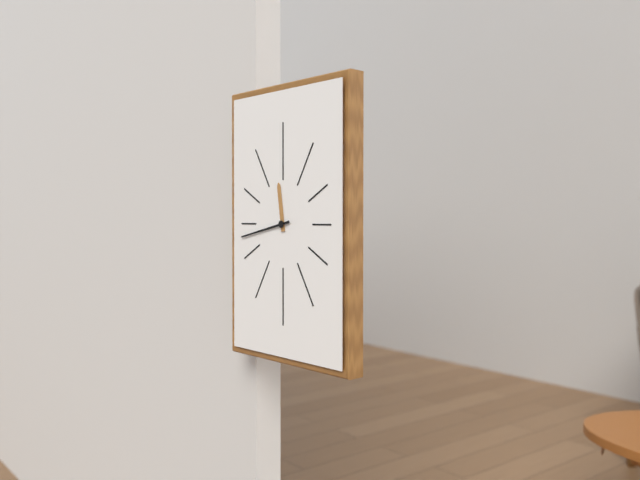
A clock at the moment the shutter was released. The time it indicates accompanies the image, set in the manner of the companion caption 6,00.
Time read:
11,43
